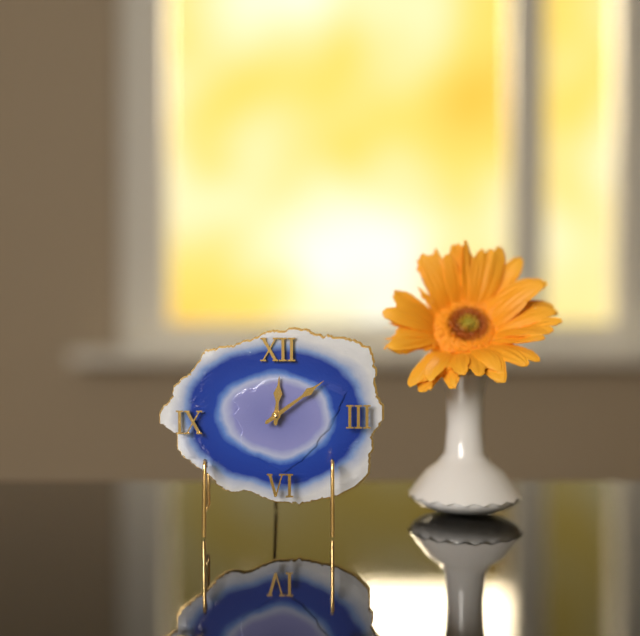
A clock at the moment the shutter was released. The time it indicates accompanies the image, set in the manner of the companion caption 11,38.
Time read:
12,09
